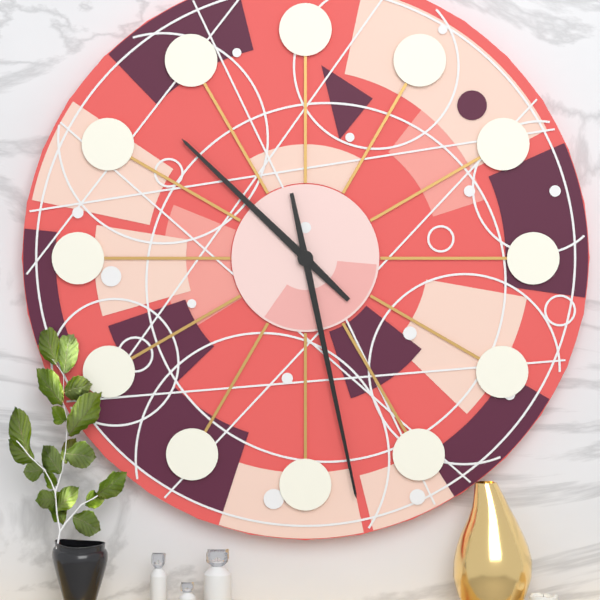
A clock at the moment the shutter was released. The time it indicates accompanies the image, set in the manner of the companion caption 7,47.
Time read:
10,28
